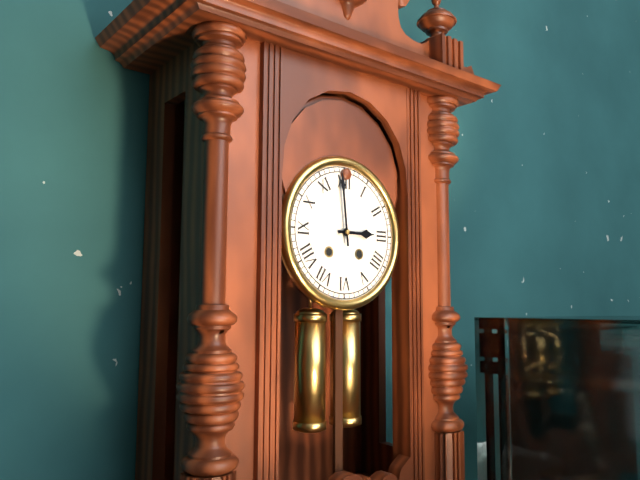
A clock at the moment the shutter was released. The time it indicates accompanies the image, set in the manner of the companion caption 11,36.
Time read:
2,59
